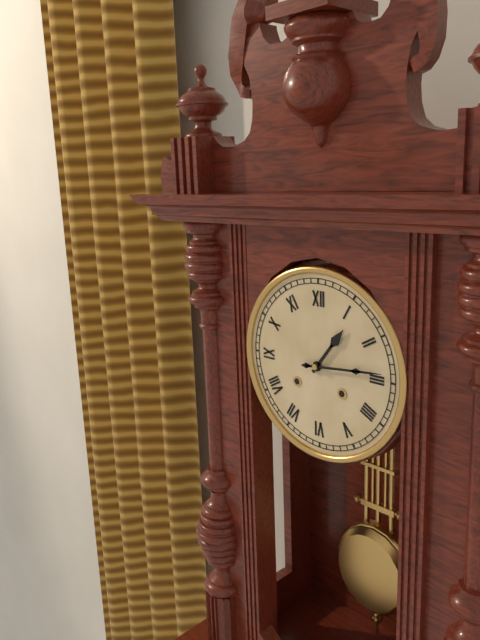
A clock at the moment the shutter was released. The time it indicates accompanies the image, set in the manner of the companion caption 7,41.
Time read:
1,14
